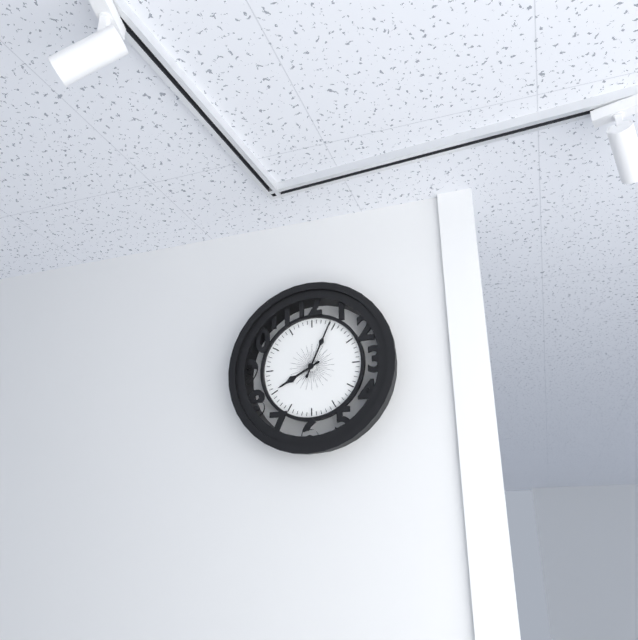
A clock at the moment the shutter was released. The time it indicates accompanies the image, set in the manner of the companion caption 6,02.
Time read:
8,04
